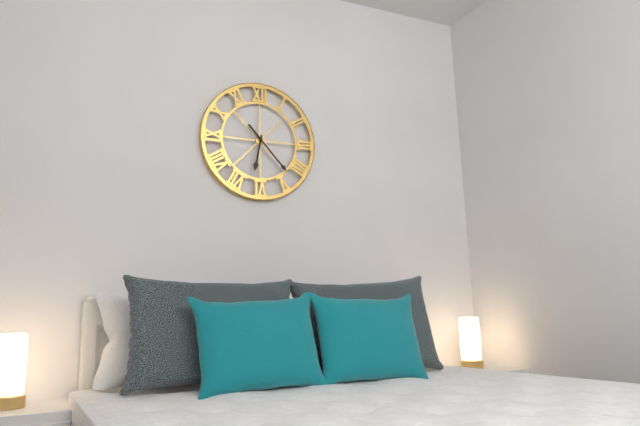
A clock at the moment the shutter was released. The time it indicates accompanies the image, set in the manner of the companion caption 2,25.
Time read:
6,23
